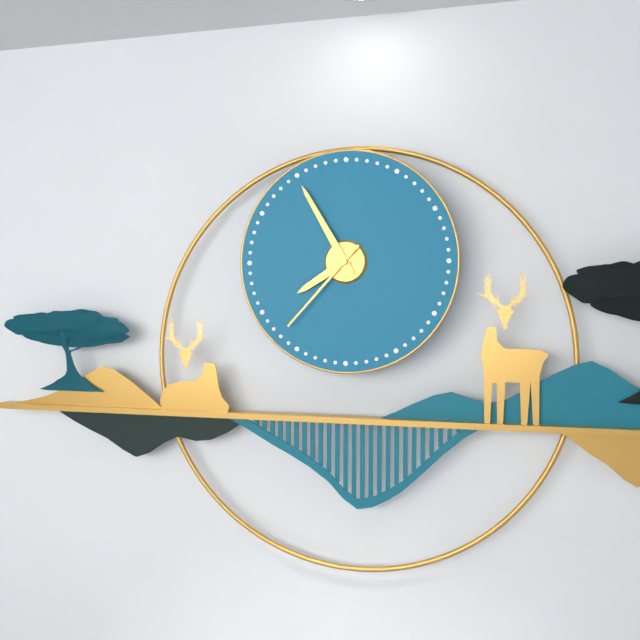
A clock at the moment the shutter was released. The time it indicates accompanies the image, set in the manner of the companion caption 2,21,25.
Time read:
7,55,37
